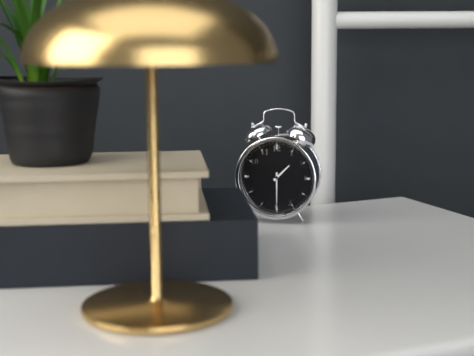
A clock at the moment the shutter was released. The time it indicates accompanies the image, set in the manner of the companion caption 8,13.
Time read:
1,30
